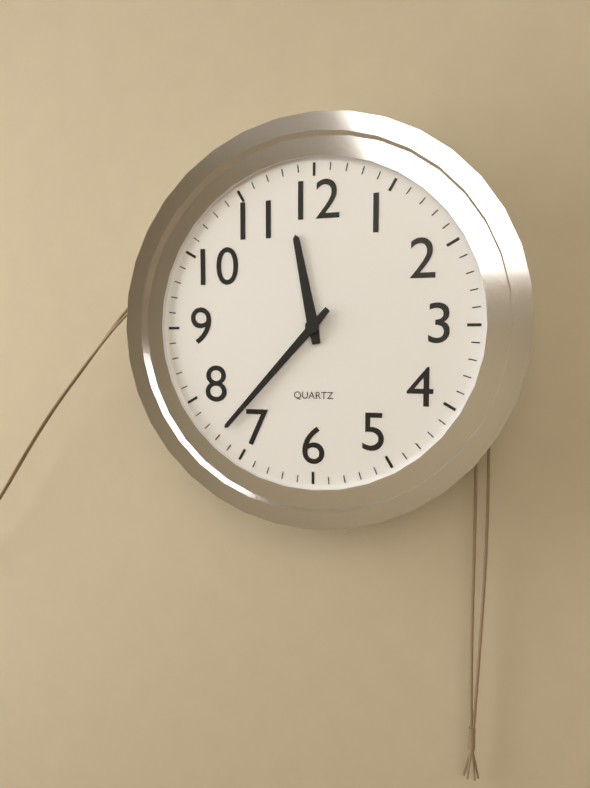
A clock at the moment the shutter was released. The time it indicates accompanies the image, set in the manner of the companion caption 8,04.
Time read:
11,37
